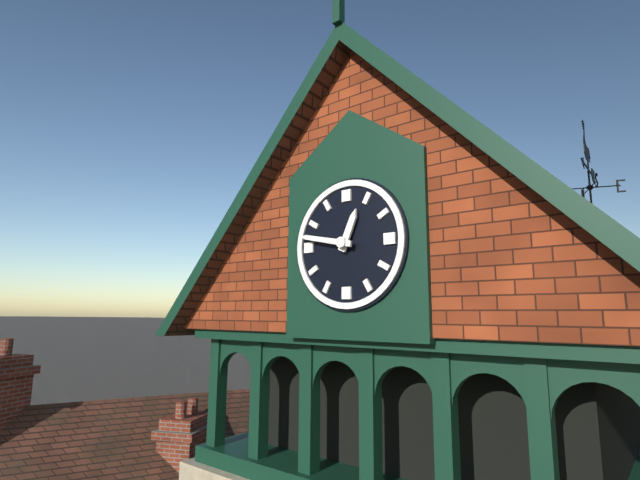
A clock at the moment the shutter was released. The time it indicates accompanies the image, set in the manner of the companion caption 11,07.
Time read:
12,47
